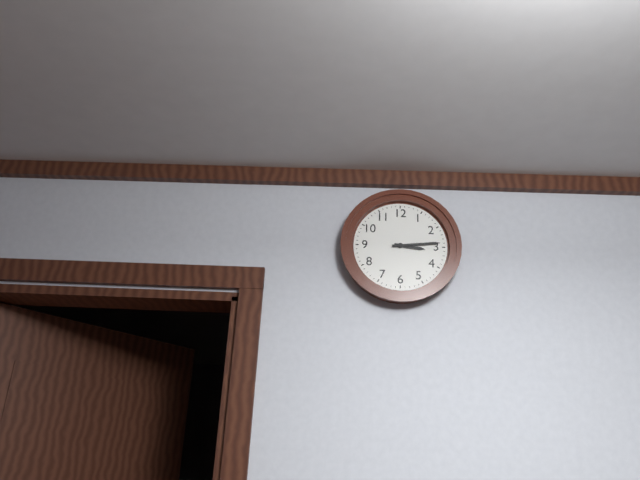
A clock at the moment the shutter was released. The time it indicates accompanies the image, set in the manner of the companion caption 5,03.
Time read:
3,14
